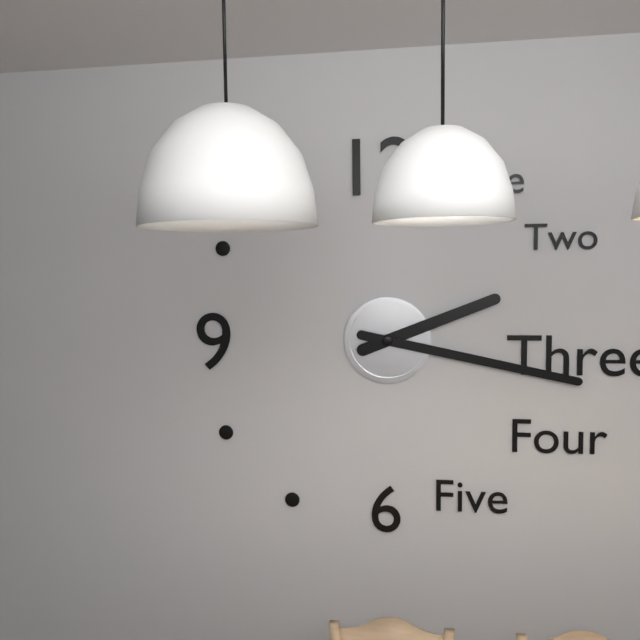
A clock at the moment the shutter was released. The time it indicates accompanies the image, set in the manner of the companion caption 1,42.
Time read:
2,17
